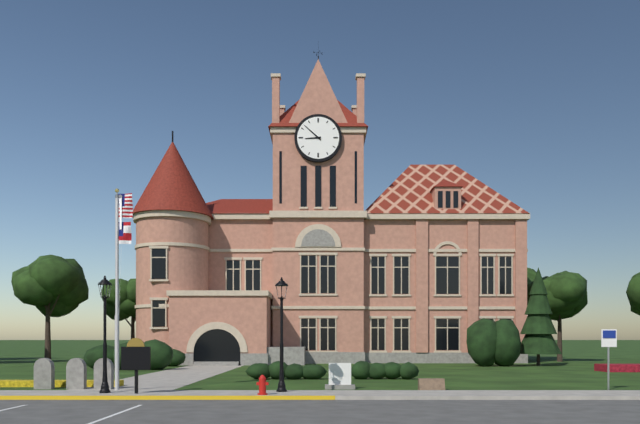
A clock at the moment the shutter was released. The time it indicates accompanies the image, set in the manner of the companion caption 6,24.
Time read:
8,52
